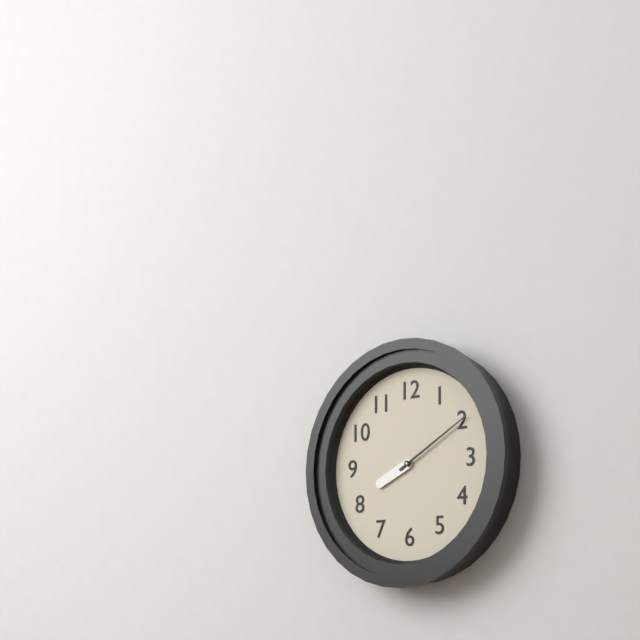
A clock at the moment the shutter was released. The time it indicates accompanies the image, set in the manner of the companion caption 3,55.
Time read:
8,10
